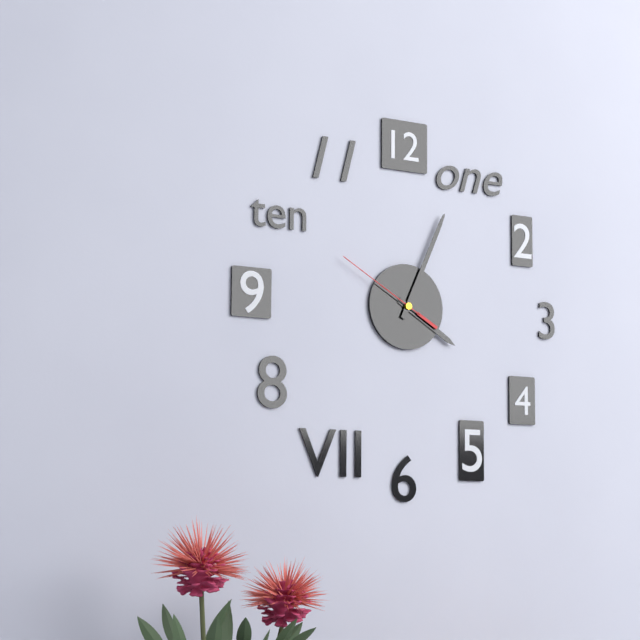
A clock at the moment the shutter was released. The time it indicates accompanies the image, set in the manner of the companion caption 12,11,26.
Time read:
4,04,50
